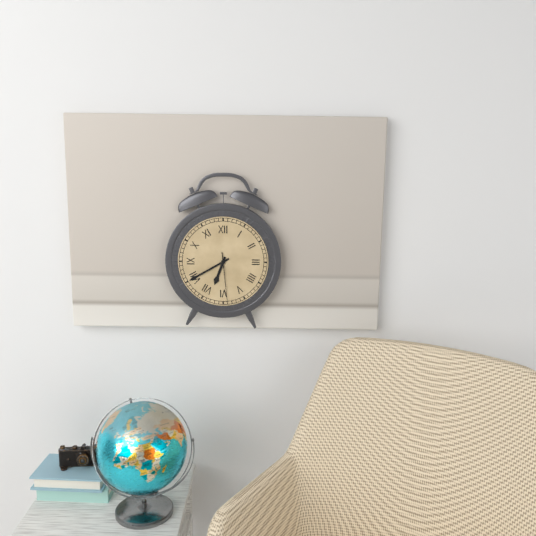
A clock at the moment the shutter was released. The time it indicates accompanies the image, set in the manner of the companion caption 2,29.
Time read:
6,40
